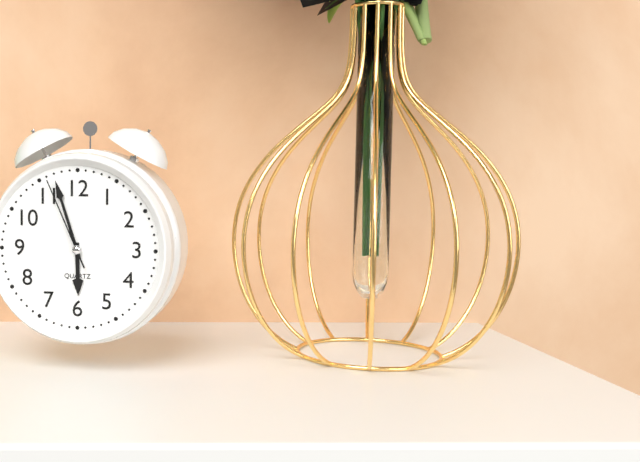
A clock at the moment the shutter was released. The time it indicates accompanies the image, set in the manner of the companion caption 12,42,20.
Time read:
5,57,56
